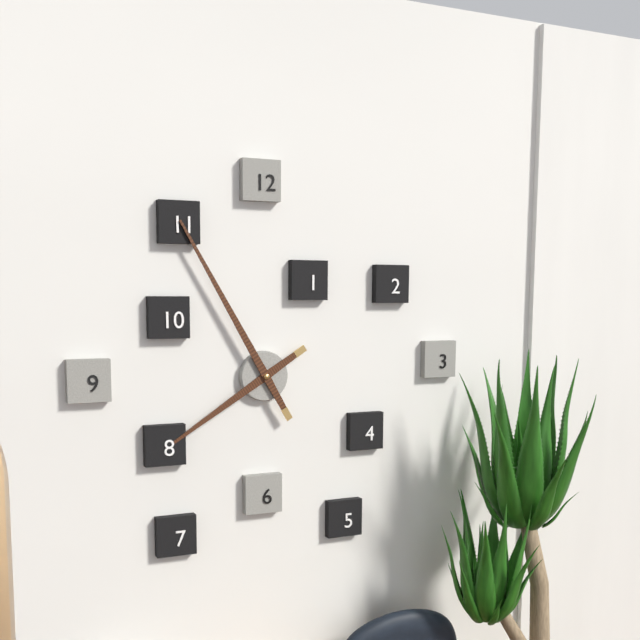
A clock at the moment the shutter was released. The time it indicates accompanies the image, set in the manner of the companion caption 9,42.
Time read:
7,55
